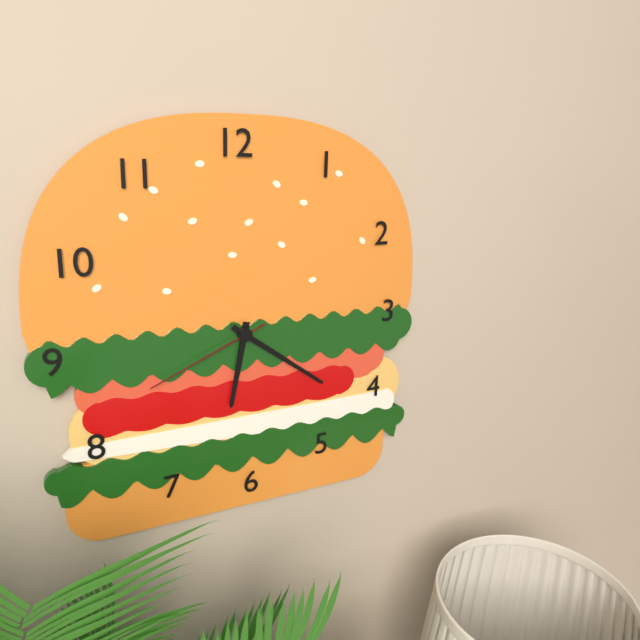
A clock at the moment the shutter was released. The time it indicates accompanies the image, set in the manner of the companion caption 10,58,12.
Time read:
6,21,41
